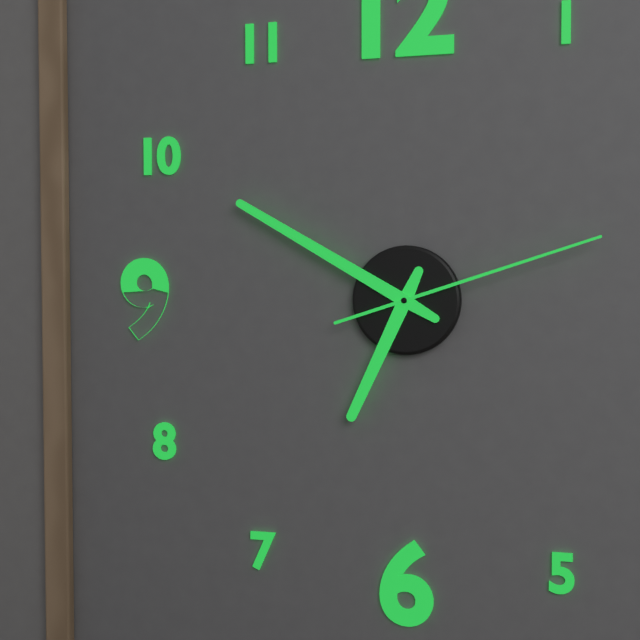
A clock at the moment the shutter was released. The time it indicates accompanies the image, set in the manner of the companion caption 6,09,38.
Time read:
6,50,12
